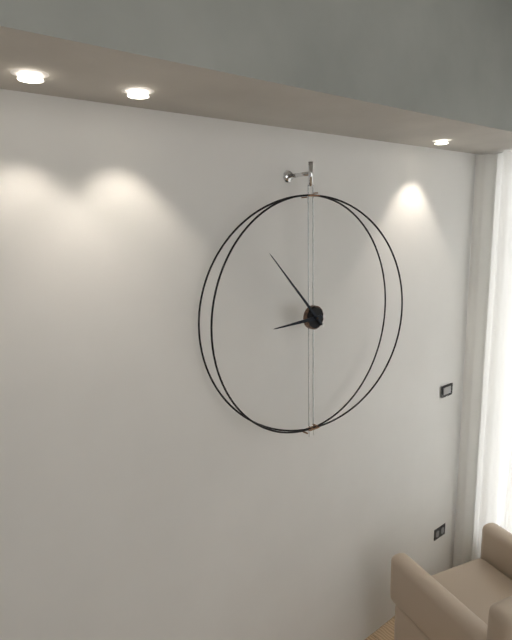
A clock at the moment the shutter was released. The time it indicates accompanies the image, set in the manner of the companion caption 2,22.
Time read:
8,53
